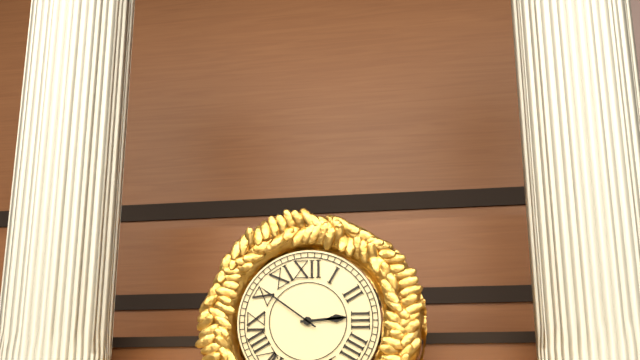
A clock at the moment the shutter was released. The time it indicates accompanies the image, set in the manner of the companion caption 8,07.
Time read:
2,51
